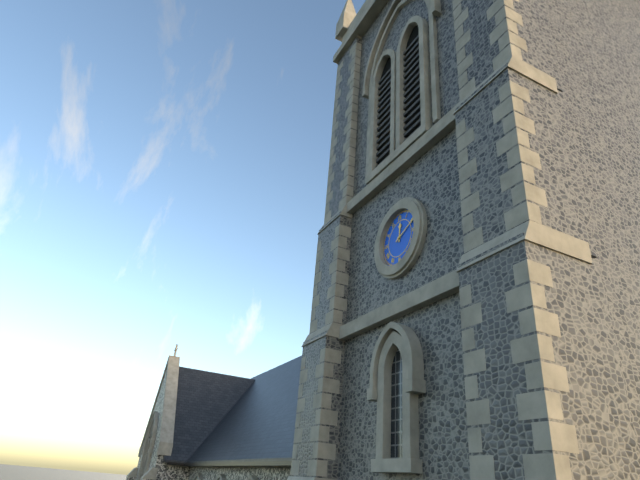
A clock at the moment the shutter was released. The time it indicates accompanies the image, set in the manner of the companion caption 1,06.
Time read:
12,11
